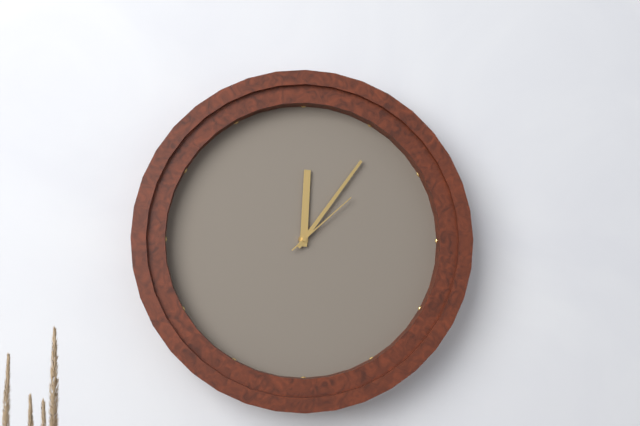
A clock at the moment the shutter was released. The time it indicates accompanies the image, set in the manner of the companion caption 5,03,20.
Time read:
12,06,08
